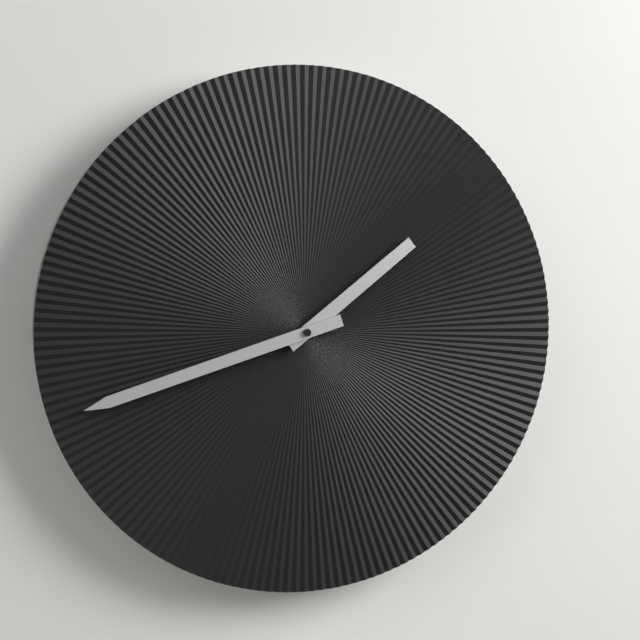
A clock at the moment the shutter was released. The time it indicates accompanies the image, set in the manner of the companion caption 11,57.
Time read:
1,42
